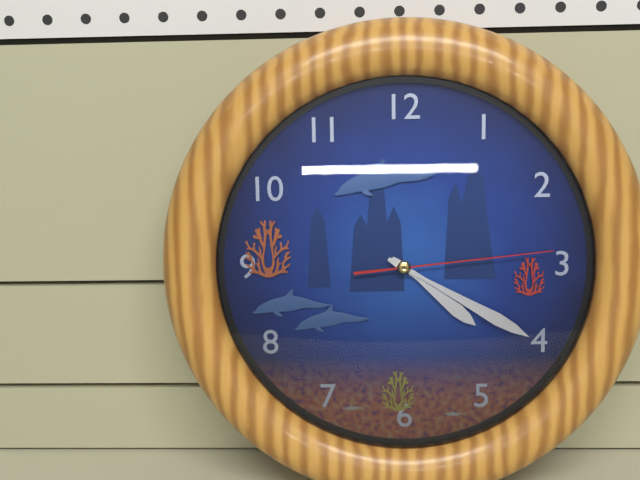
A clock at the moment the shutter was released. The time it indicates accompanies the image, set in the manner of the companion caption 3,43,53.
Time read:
4,20,14
